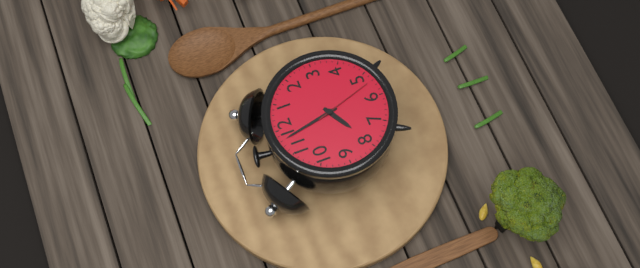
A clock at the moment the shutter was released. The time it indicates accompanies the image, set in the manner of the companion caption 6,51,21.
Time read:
7,58,27
